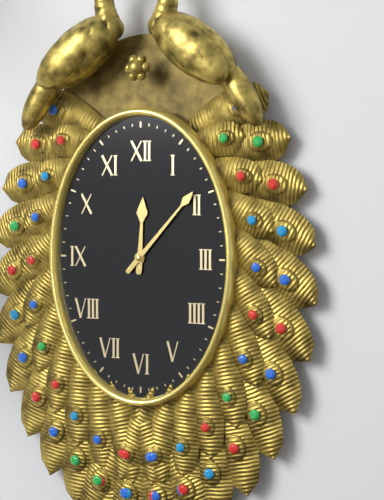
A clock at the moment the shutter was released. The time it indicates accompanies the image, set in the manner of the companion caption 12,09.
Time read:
12,07
